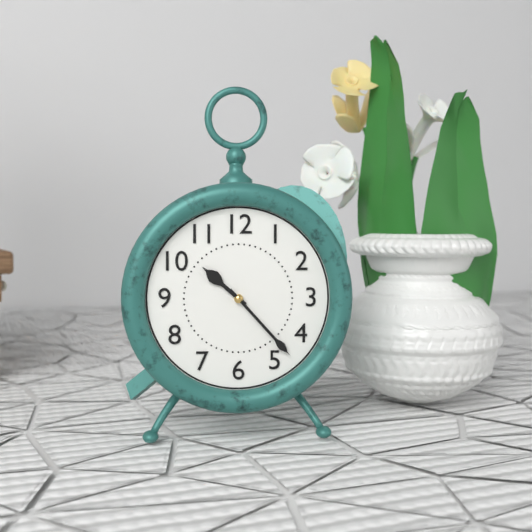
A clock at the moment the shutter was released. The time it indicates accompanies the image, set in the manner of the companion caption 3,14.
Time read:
10,23
